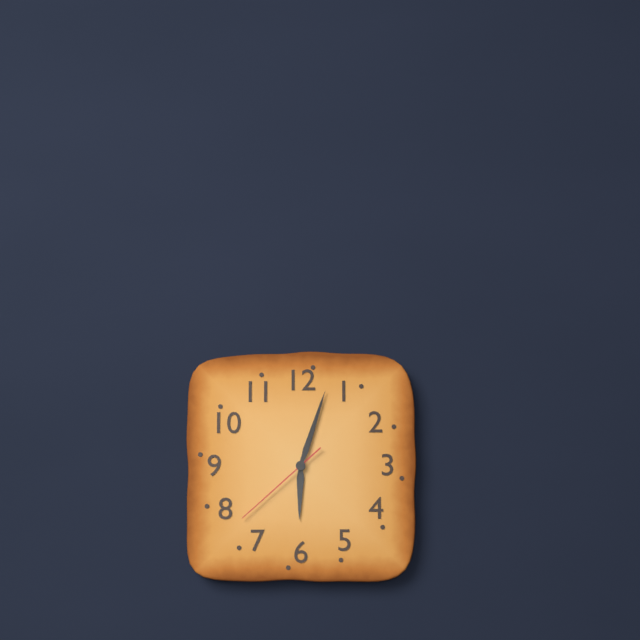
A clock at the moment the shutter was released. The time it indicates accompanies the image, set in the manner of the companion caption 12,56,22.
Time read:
6,03,38
